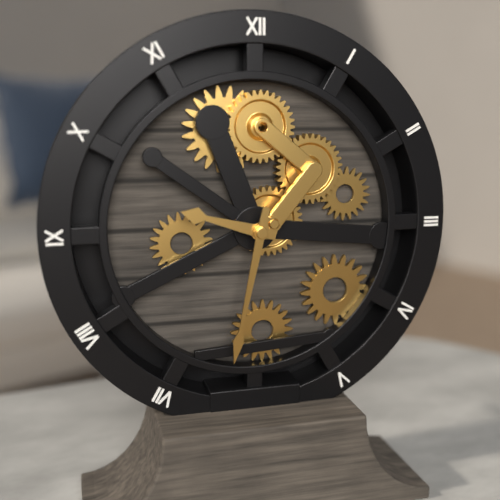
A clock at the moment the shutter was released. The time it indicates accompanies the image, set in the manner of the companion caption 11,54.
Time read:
9,32
